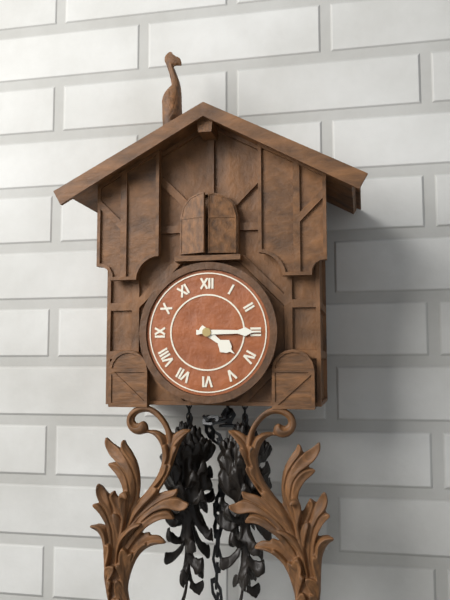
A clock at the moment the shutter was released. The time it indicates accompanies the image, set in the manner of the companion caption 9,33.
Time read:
4,15
